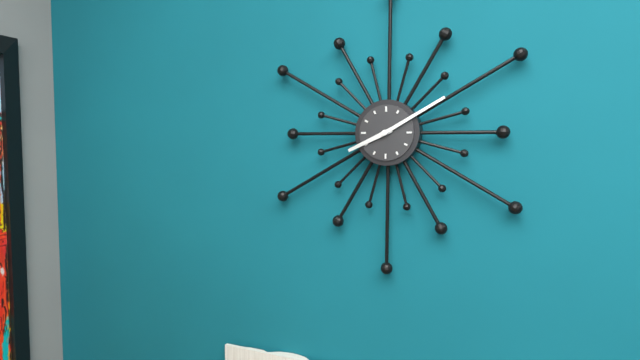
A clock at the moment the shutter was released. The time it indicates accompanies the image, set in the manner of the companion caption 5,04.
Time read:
8,10
